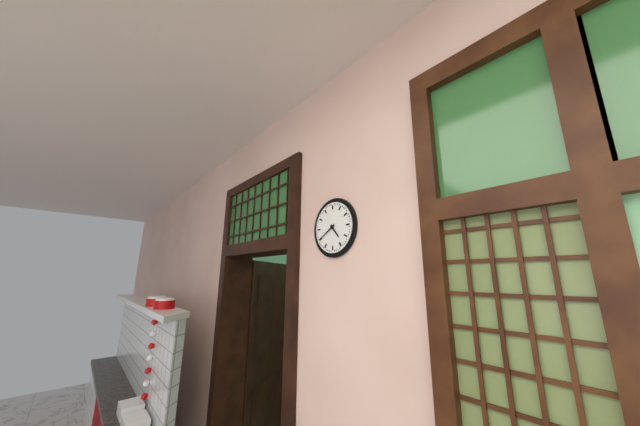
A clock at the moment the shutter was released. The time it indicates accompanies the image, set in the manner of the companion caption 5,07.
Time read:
4,40
